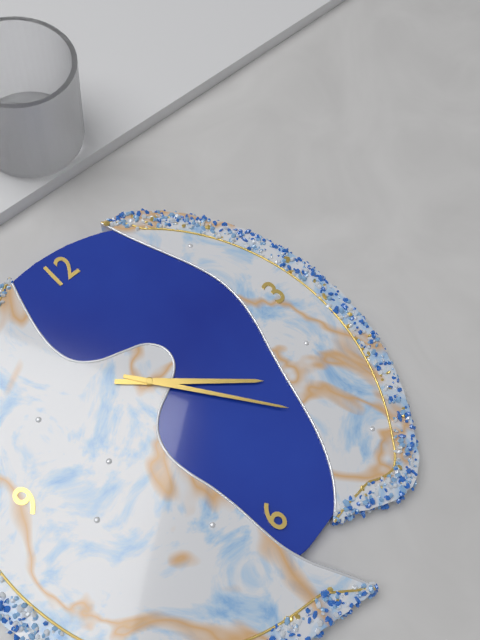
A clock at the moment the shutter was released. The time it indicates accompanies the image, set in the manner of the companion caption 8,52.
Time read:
4,24
